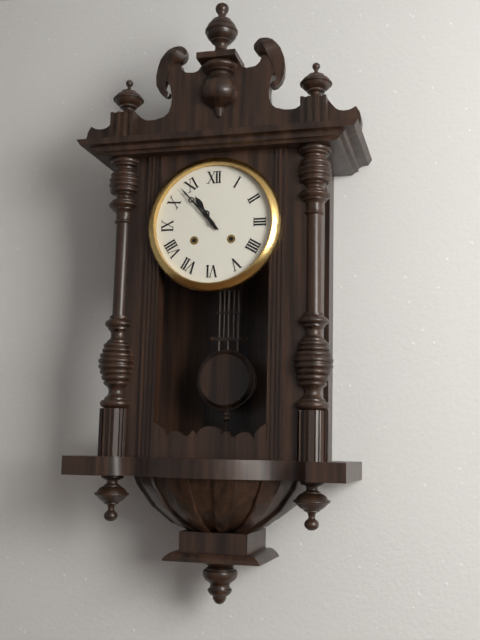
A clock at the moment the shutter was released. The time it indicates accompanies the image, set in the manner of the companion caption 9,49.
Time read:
10,53
